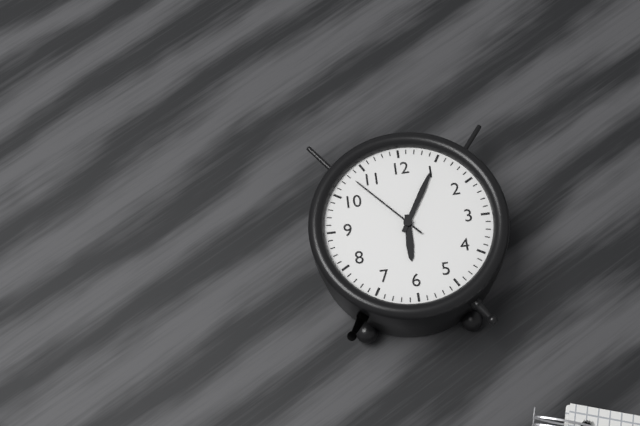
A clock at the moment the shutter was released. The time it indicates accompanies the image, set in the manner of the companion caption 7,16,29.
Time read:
6,05,53
